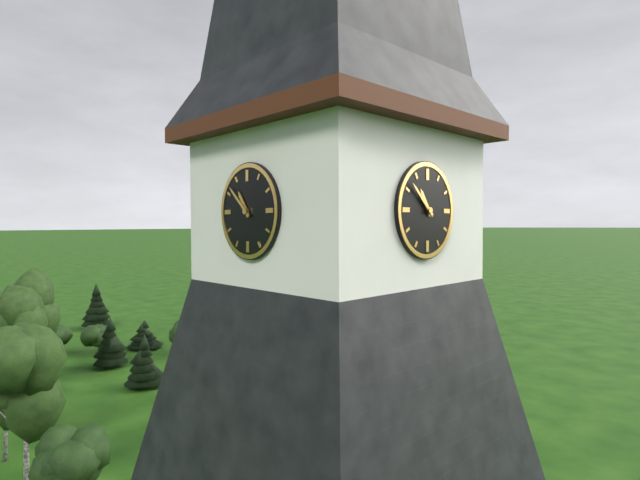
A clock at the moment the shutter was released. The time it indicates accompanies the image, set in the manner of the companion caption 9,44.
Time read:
10,52
